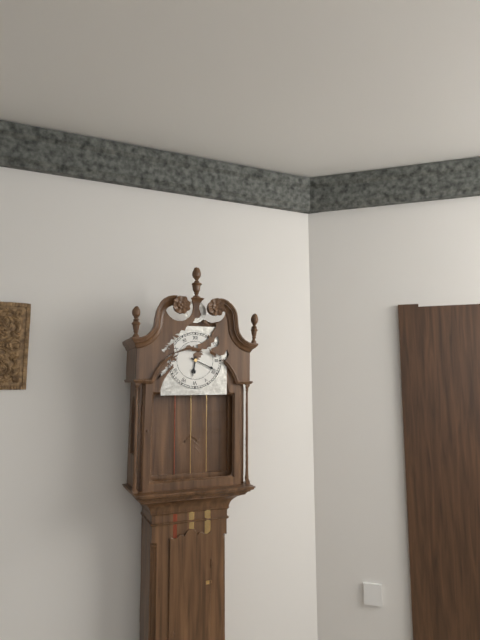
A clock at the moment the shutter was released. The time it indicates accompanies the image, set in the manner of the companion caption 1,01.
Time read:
6,19
